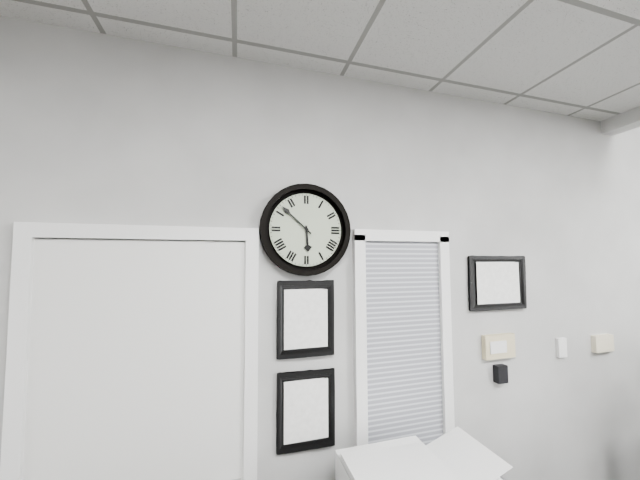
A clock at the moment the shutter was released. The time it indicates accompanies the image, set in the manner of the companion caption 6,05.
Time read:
5,52
